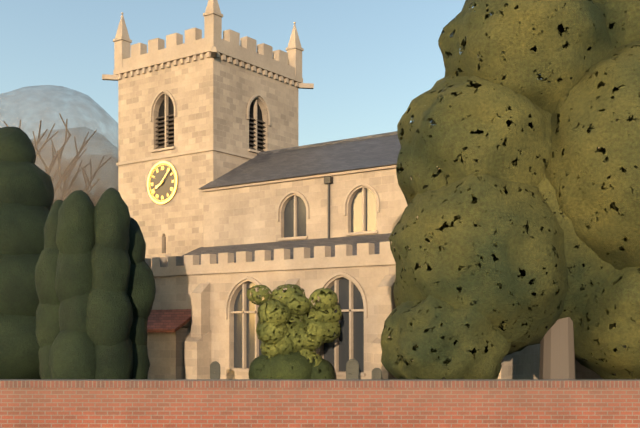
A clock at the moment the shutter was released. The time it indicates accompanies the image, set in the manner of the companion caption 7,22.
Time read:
8,07
